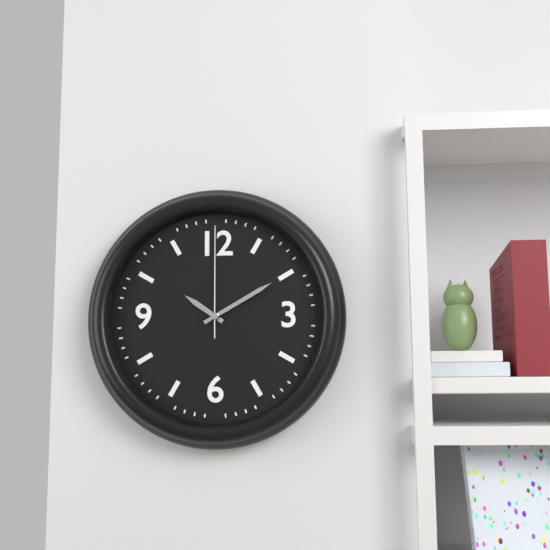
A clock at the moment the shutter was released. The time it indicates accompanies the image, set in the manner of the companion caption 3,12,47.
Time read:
10,10,00
